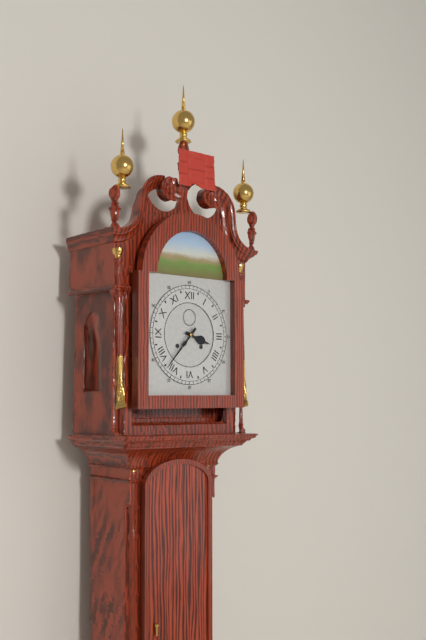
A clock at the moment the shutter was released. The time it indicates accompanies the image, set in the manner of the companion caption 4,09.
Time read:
3,37
